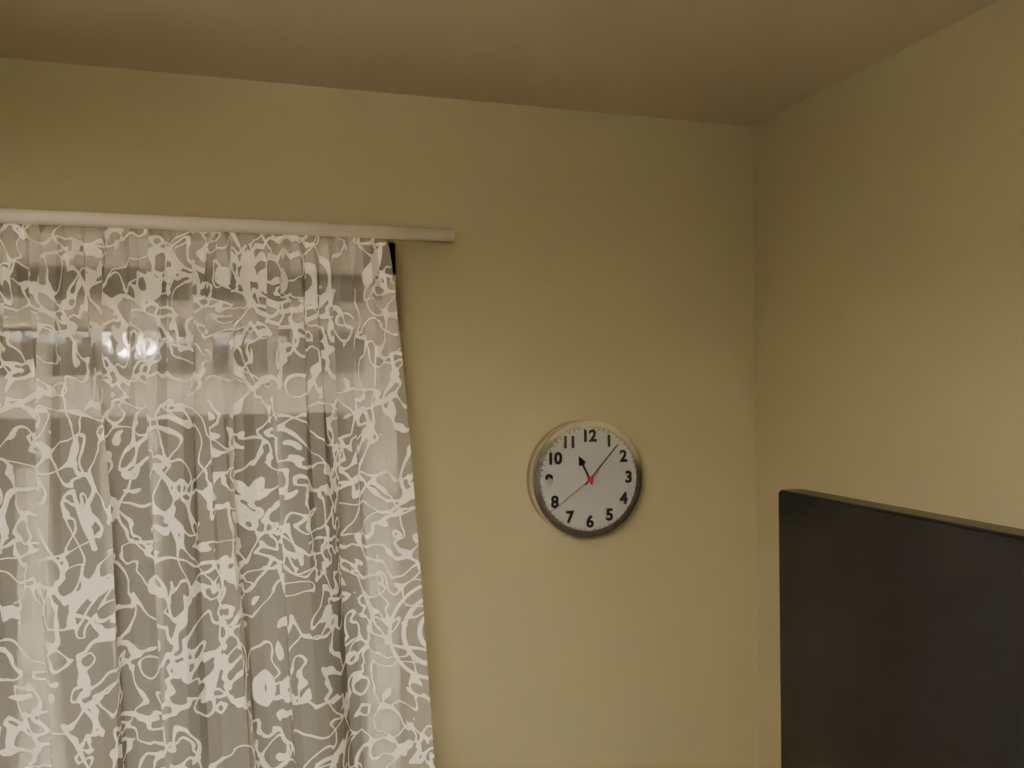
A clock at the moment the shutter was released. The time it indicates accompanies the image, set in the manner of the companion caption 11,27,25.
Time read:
11,07,39
